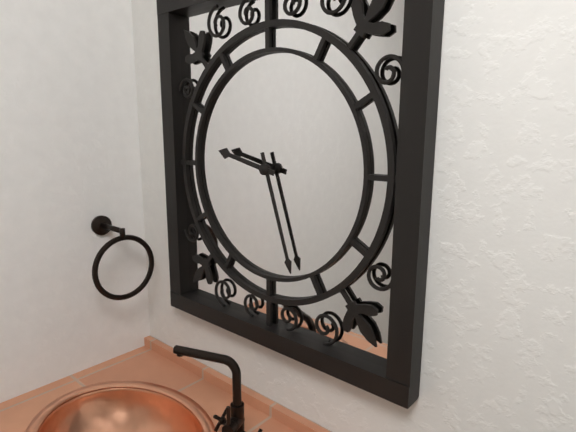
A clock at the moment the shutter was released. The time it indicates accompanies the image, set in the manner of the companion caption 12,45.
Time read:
9,27
